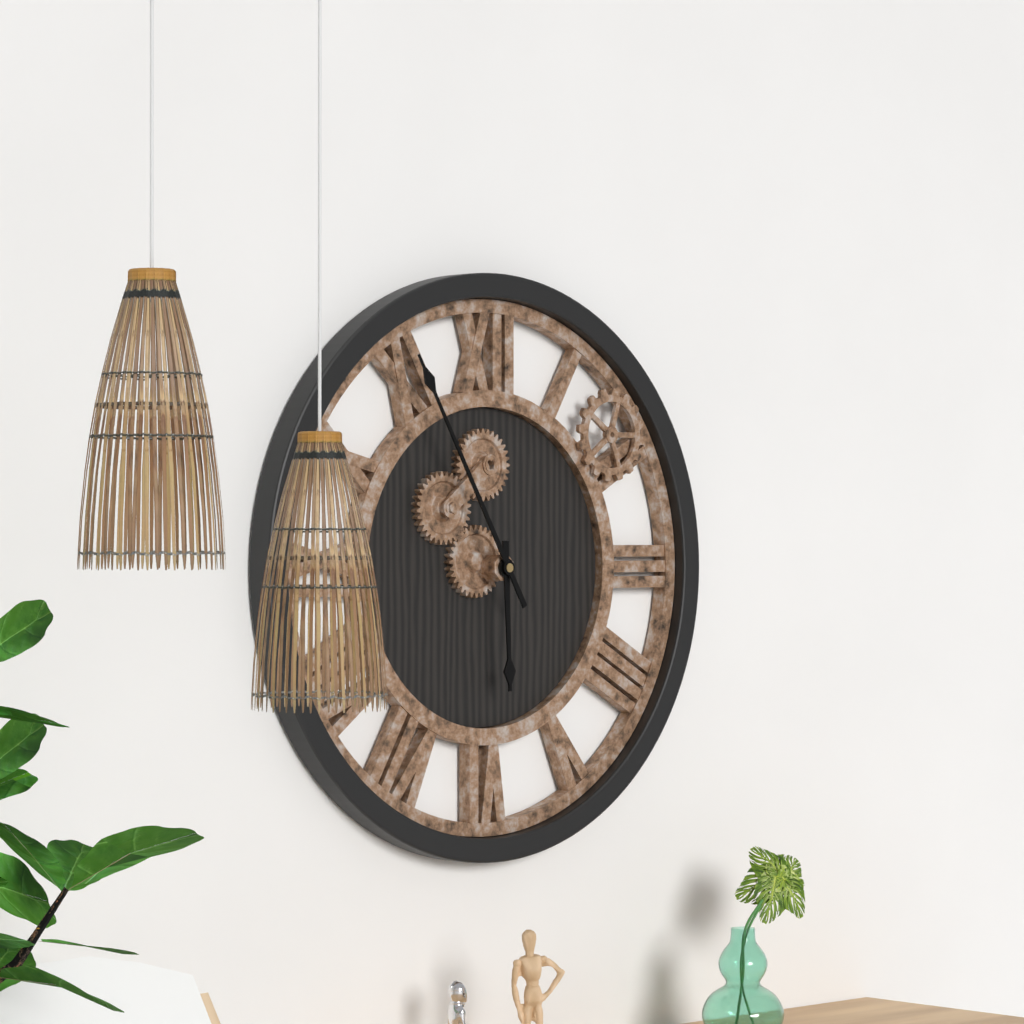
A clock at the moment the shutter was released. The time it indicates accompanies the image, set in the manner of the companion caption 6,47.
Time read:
5,55
